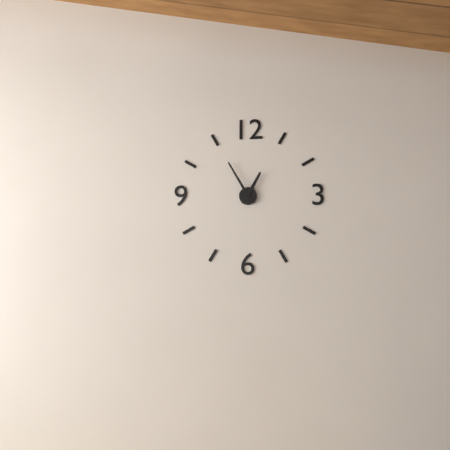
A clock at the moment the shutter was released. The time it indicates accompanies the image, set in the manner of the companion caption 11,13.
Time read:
12,55
